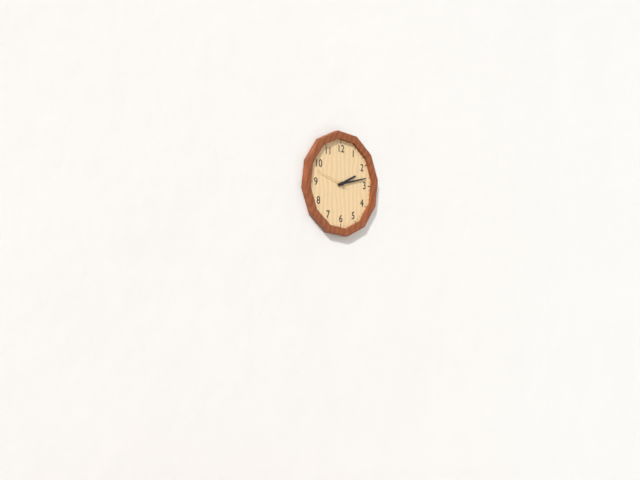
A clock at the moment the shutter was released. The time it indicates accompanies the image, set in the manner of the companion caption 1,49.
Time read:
2,13
